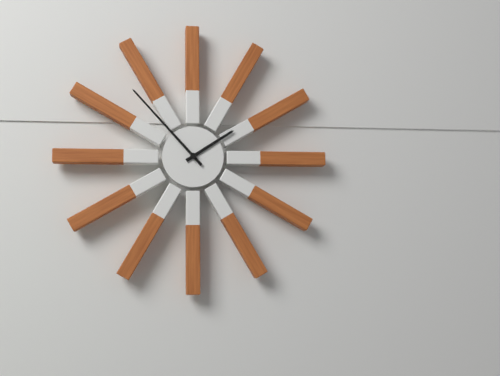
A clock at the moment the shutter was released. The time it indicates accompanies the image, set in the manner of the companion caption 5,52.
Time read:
1,53
